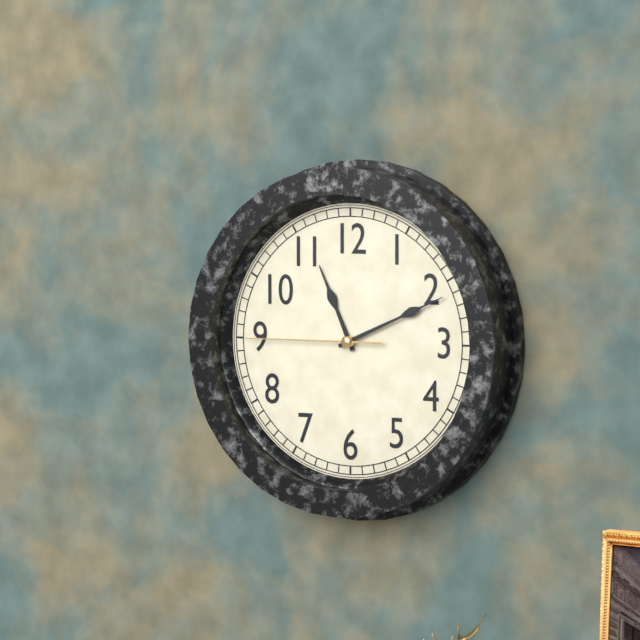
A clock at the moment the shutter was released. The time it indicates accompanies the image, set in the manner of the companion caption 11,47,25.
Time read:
11,11,45
